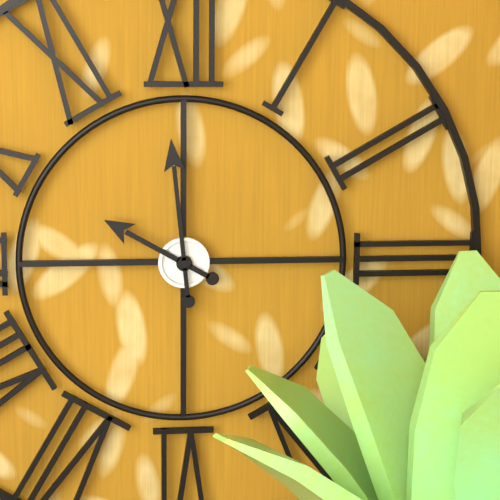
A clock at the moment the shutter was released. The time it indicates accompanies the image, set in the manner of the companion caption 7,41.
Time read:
9,59
